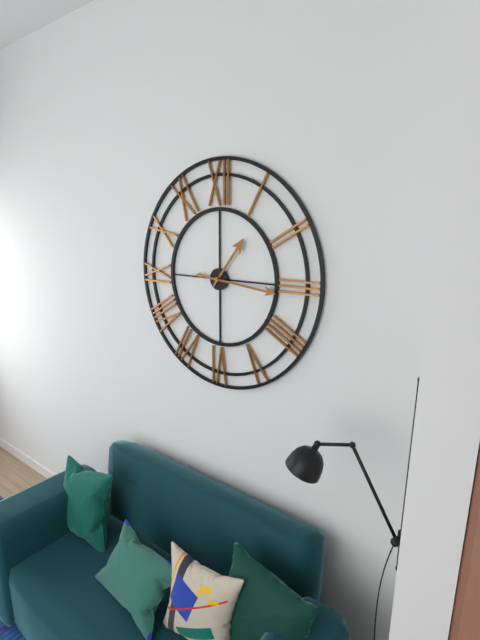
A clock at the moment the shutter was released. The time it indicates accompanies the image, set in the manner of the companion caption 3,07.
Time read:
1,16
